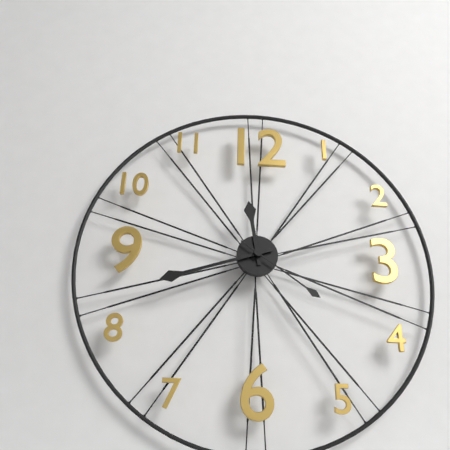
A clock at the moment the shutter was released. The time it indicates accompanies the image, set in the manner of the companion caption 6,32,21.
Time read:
11,42,21
